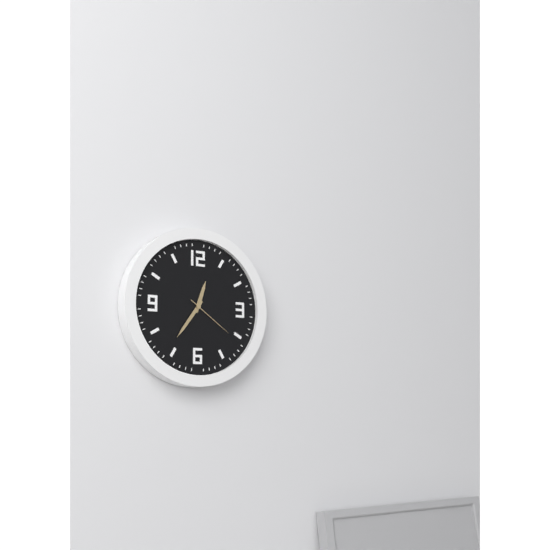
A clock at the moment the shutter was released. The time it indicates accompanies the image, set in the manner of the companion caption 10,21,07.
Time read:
12,36,21
